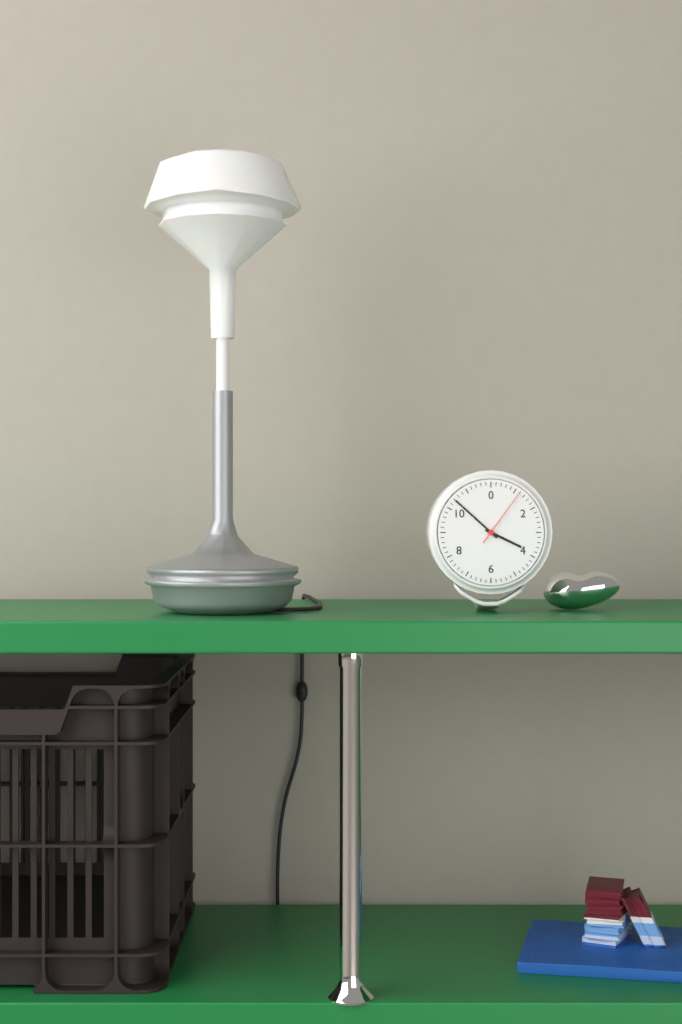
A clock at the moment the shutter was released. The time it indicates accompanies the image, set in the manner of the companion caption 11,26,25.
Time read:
3,52,06
